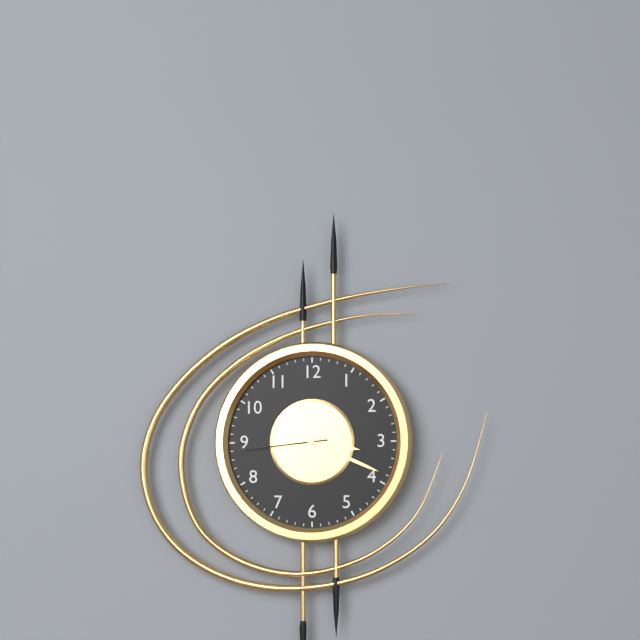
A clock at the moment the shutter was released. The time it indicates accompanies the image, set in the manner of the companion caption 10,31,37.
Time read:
3,19,44
